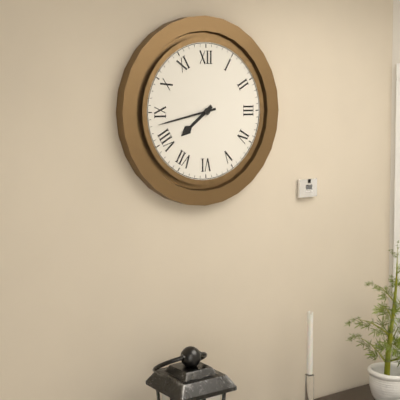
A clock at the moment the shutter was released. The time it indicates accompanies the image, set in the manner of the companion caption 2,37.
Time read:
7,43
